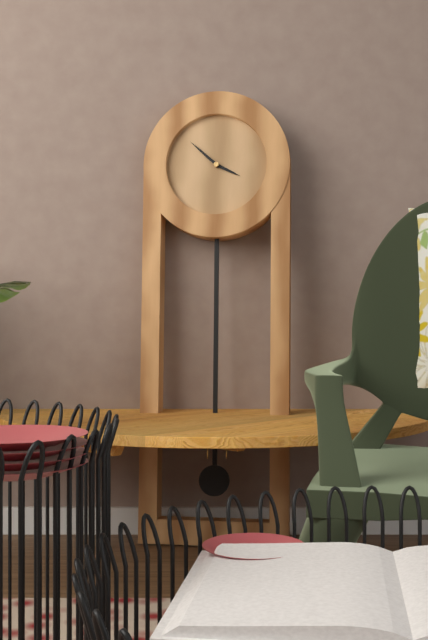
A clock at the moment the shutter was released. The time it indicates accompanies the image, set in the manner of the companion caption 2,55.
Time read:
3,52
